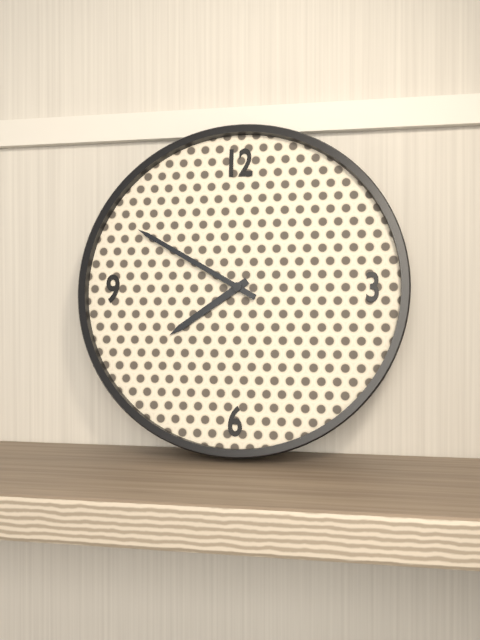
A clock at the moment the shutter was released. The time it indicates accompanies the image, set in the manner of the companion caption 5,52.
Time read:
7,50
